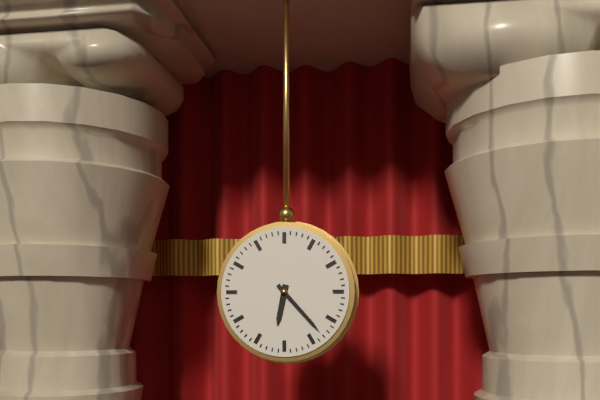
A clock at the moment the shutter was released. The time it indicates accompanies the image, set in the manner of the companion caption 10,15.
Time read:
6,23
